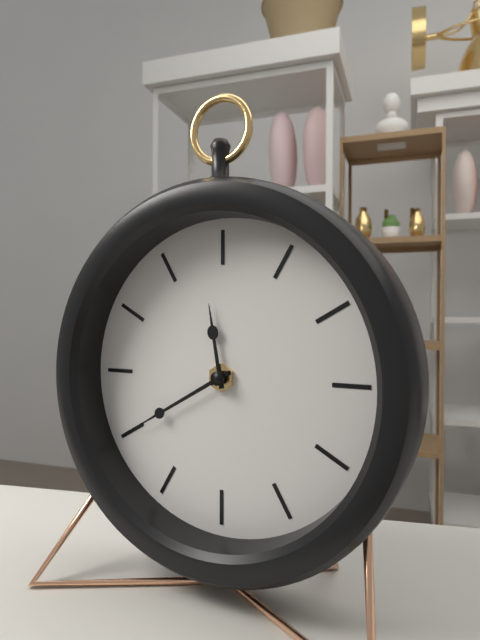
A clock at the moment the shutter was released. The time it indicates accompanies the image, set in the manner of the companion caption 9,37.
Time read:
11,40
